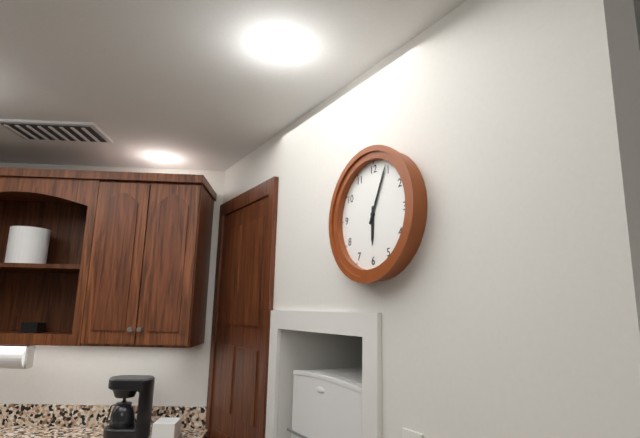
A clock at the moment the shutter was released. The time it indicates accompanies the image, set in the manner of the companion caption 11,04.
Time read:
6,04
